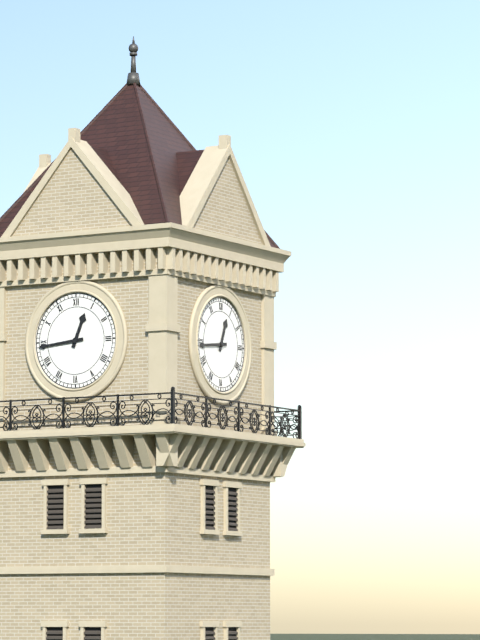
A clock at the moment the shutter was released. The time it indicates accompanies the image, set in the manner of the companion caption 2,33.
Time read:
12,44
